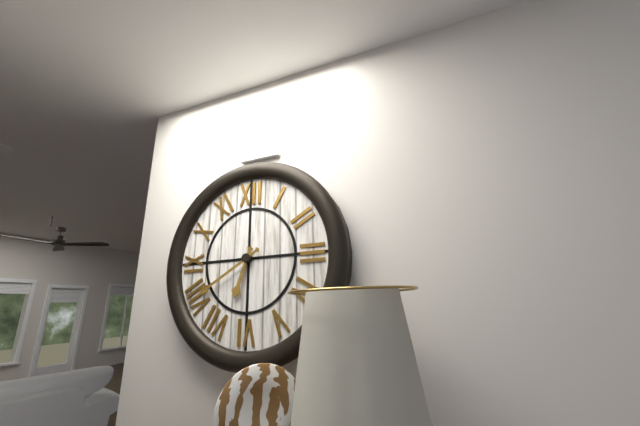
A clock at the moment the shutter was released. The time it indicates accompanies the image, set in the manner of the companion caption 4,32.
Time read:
6,40
